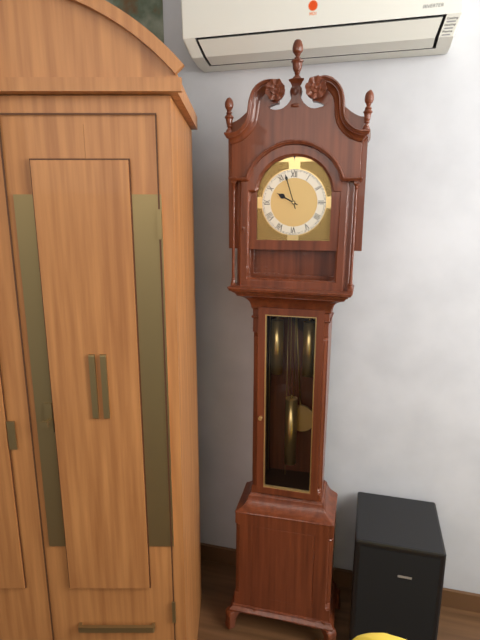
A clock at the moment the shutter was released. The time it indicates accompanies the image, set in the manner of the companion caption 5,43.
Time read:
9,57
